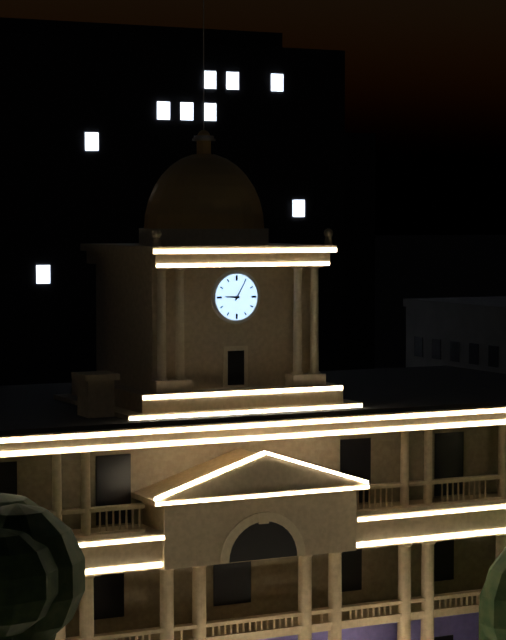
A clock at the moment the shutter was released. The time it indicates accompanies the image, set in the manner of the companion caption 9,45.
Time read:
9,05
